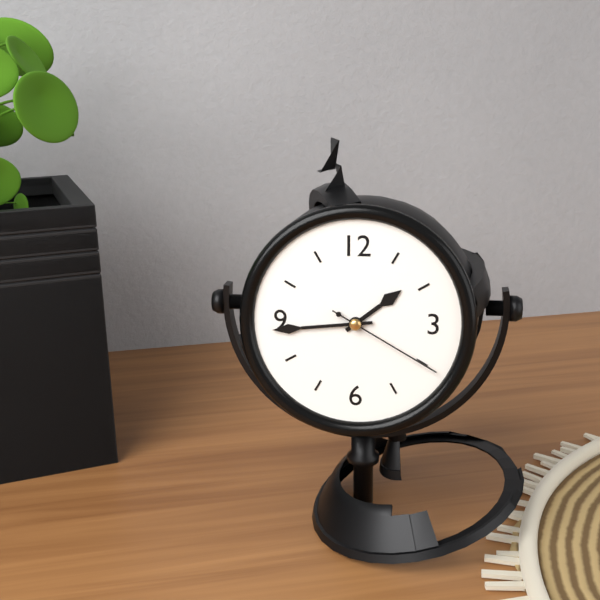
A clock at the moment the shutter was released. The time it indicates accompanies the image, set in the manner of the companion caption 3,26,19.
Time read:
1,44,20
